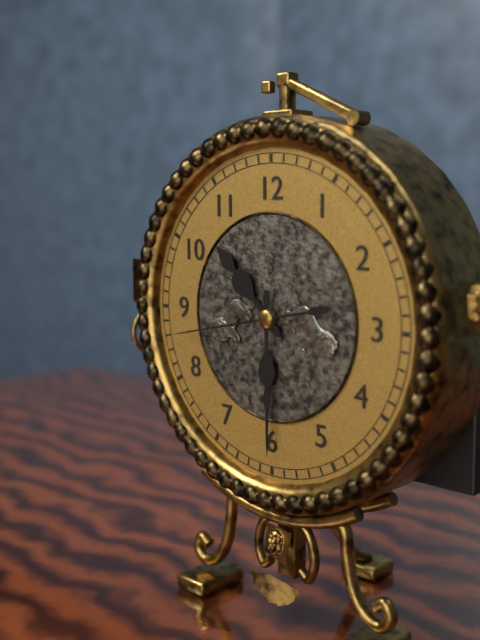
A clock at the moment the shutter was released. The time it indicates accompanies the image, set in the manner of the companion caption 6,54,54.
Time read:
10,30,43
